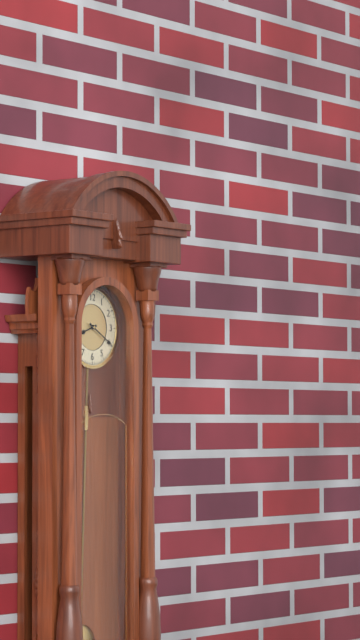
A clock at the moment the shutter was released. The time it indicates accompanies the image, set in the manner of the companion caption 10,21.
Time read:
8,20
